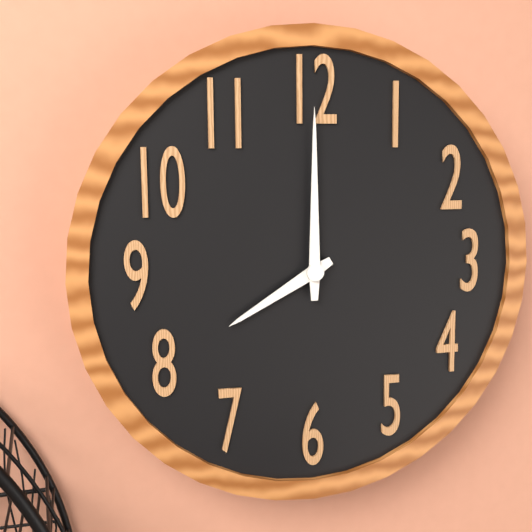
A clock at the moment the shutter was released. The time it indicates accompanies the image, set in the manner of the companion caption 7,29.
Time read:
8,00
